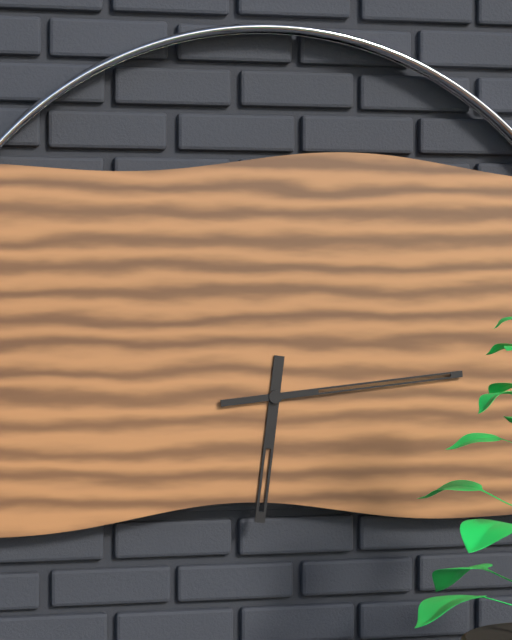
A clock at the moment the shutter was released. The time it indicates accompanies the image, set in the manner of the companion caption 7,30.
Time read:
6,14
